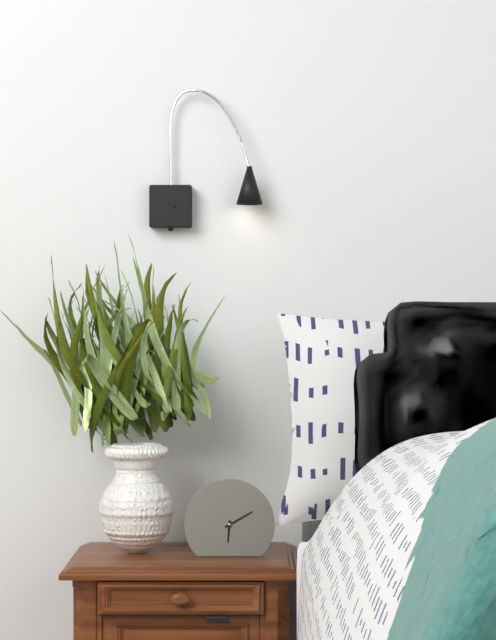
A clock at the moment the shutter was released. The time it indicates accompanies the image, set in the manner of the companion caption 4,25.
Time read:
6,10
